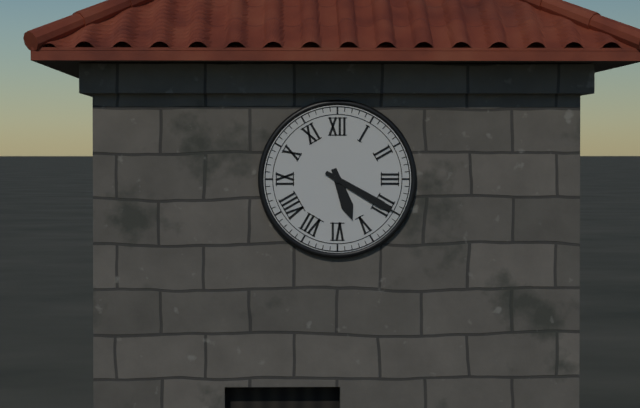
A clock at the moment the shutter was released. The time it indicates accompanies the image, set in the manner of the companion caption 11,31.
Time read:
5,20
